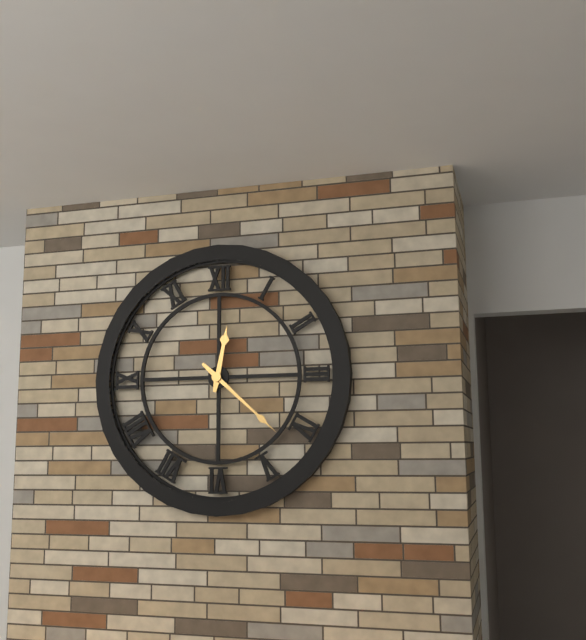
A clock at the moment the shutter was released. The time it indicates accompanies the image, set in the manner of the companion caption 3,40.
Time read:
12,22
